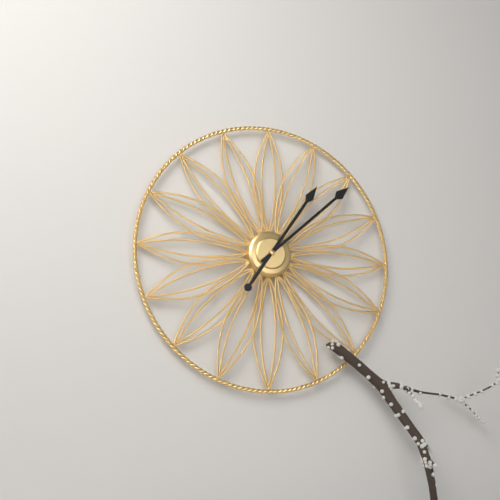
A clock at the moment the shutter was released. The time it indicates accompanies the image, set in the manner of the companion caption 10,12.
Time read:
1,08
